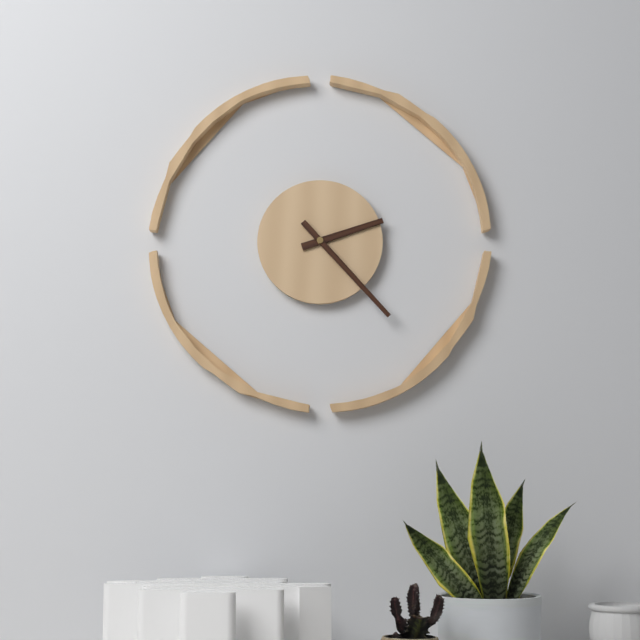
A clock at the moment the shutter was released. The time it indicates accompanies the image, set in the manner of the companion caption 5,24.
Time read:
2,23
